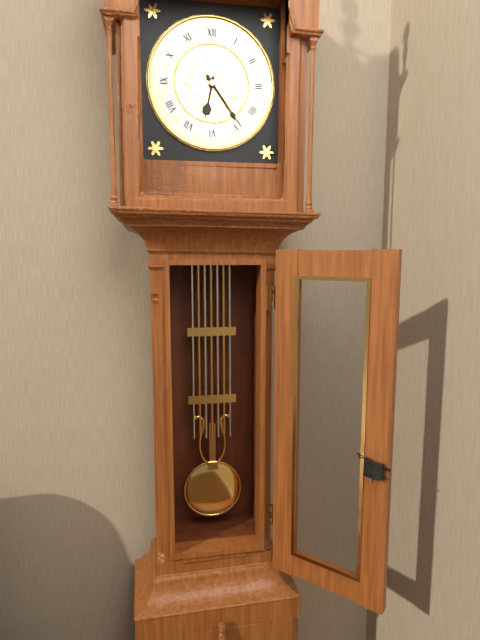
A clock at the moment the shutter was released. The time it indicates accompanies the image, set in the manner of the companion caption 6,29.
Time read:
6,24
